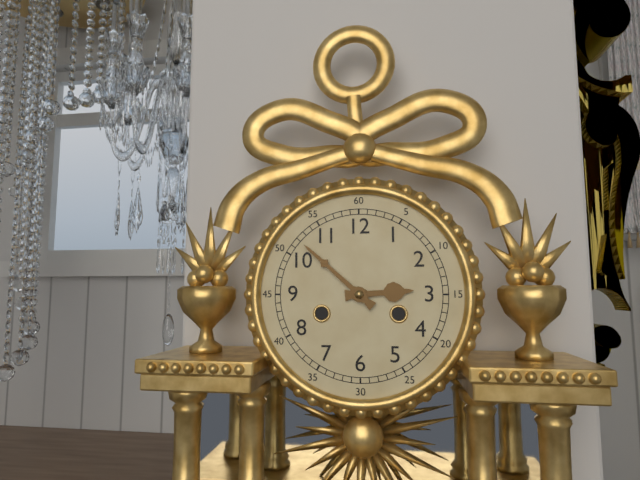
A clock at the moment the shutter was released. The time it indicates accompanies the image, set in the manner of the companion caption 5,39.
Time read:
2,52
